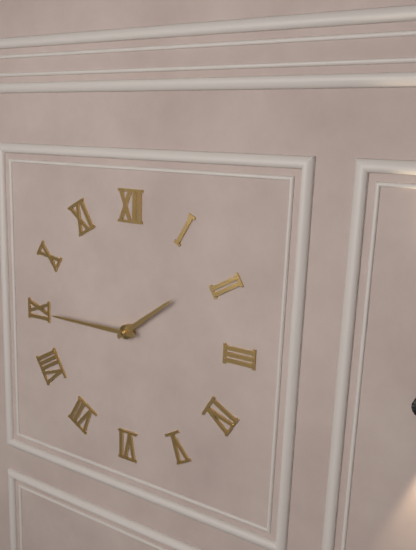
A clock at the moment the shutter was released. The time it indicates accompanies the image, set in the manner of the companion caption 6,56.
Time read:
1,45
